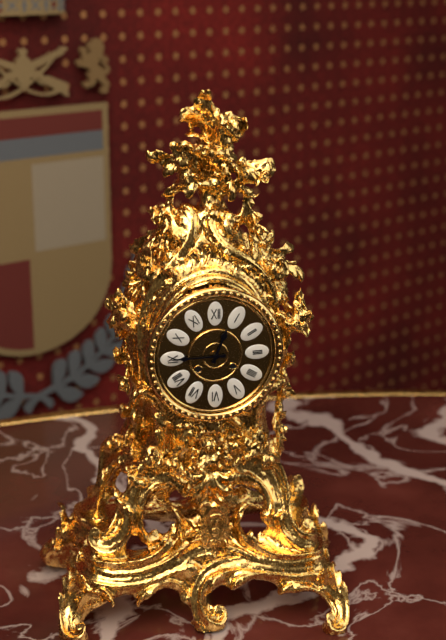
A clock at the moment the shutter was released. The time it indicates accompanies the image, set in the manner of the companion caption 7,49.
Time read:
12,45
